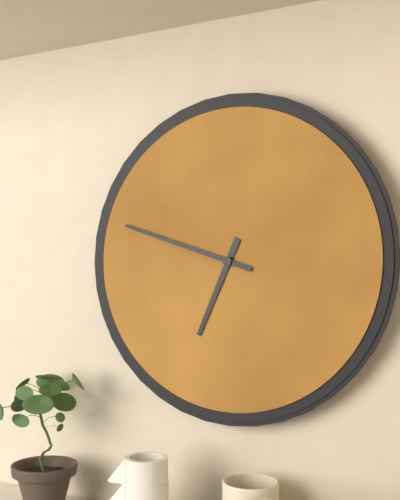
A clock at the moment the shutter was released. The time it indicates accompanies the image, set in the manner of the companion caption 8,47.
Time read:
6,48
